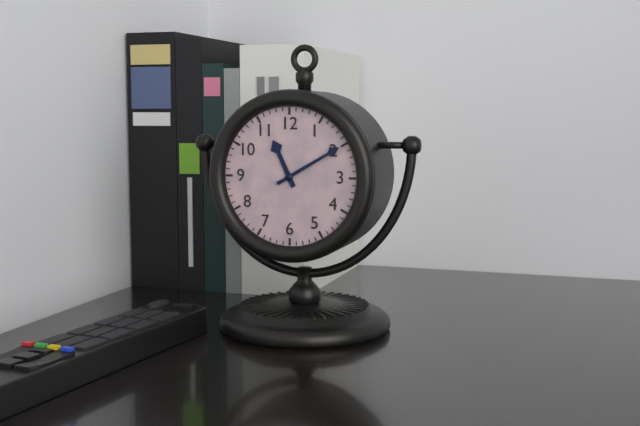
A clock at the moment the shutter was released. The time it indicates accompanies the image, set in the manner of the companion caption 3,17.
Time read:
11,10
